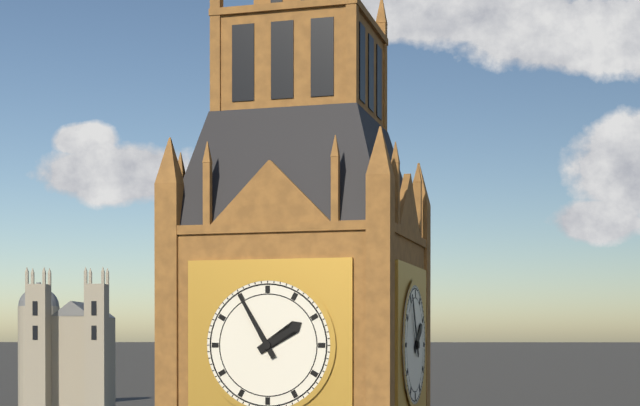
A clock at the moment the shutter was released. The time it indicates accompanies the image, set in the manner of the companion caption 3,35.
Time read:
1,55
